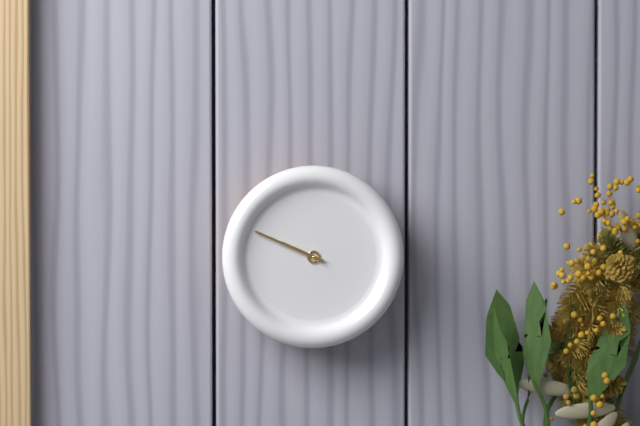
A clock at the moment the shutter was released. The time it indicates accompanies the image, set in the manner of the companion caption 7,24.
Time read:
9,49
